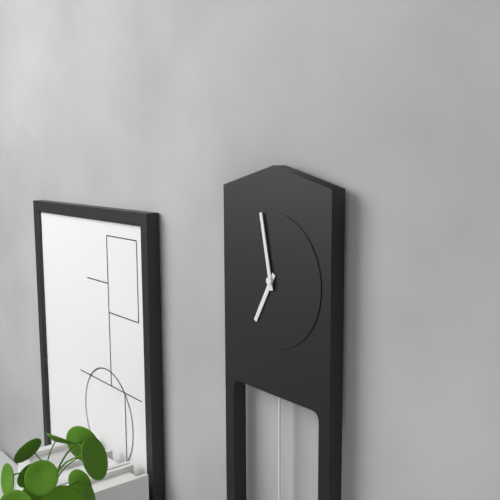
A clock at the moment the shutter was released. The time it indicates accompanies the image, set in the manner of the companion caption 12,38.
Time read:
6,58
